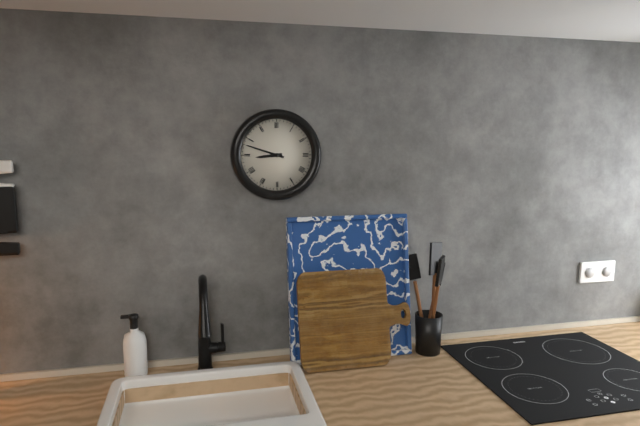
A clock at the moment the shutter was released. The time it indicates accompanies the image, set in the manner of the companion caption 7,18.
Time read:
8,48
